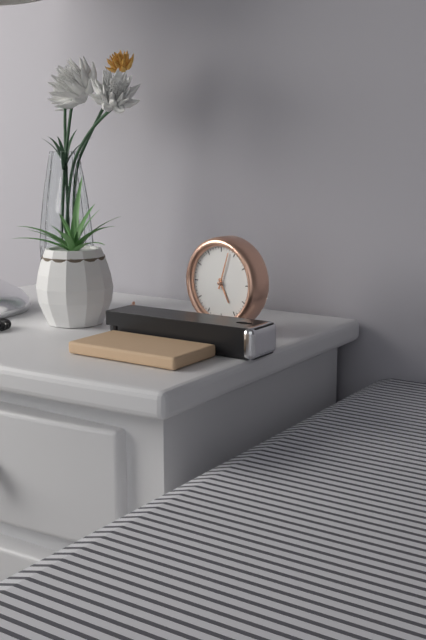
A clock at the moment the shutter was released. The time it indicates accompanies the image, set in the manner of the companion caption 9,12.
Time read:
5,03
